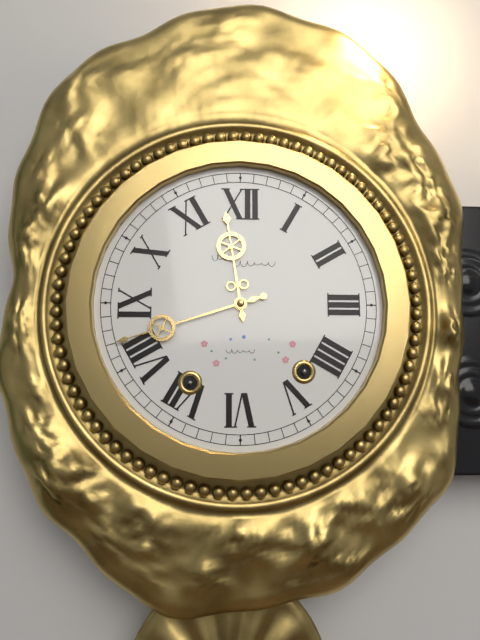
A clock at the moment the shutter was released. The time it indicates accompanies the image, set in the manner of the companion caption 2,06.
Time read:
11,42
